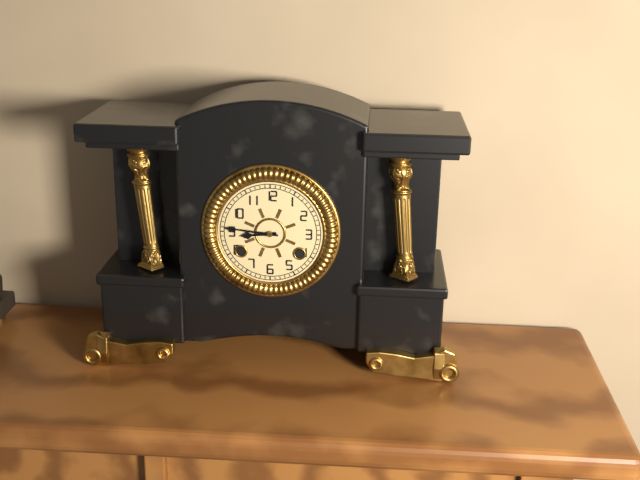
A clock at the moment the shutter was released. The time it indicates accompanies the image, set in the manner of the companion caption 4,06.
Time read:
8,46
